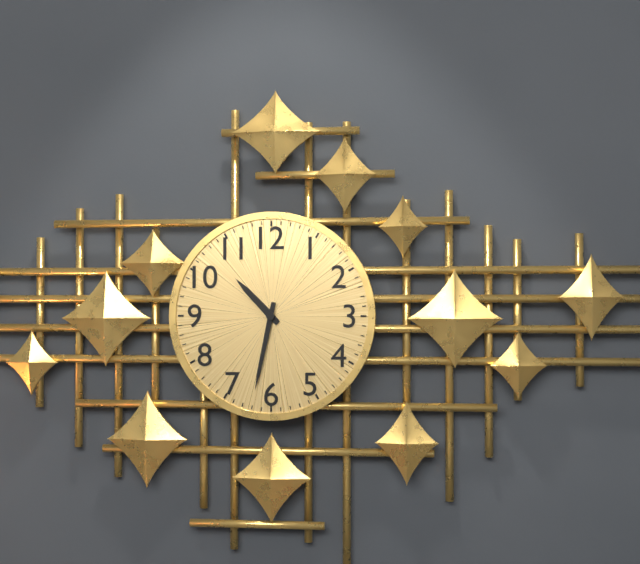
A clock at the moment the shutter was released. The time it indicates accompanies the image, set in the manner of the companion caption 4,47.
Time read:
10,32
